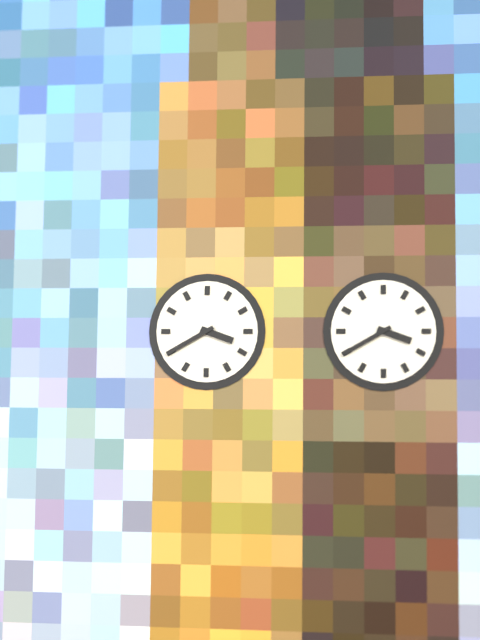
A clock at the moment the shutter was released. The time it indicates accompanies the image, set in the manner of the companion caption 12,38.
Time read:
3,40
